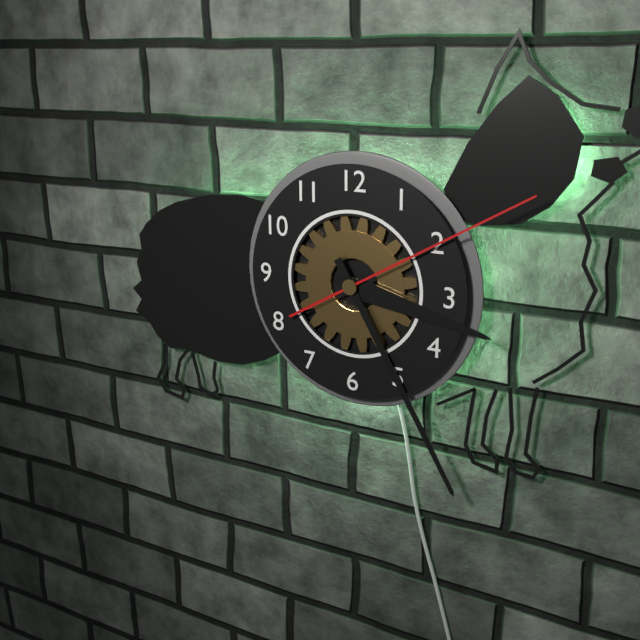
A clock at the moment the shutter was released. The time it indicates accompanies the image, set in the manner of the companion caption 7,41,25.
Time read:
3,25,10
